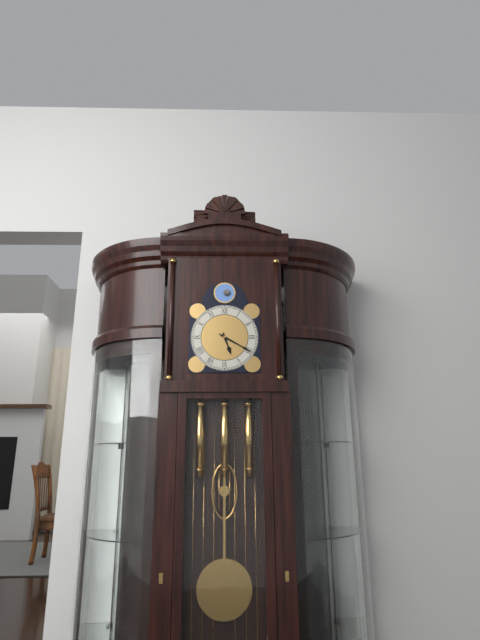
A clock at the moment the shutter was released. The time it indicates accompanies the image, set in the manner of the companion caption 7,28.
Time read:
5,20
